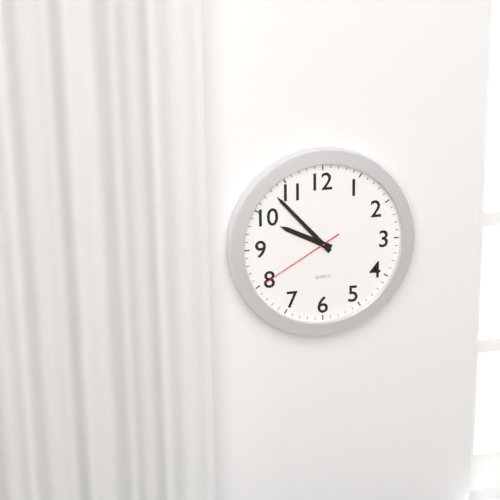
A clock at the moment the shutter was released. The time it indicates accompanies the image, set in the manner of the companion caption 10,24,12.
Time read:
9,53,40
